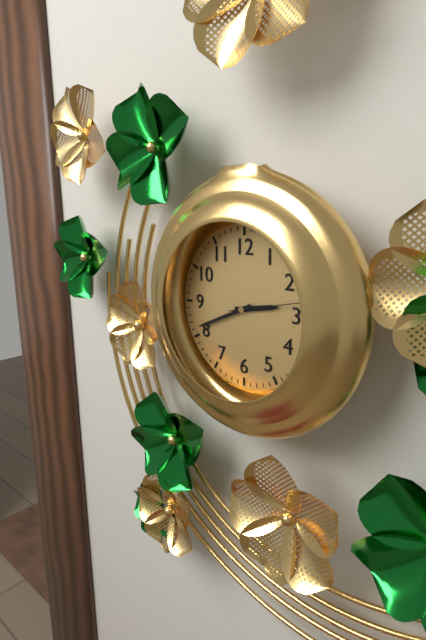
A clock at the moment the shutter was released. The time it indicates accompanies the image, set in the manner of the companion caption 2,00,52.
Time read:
2,41,13
